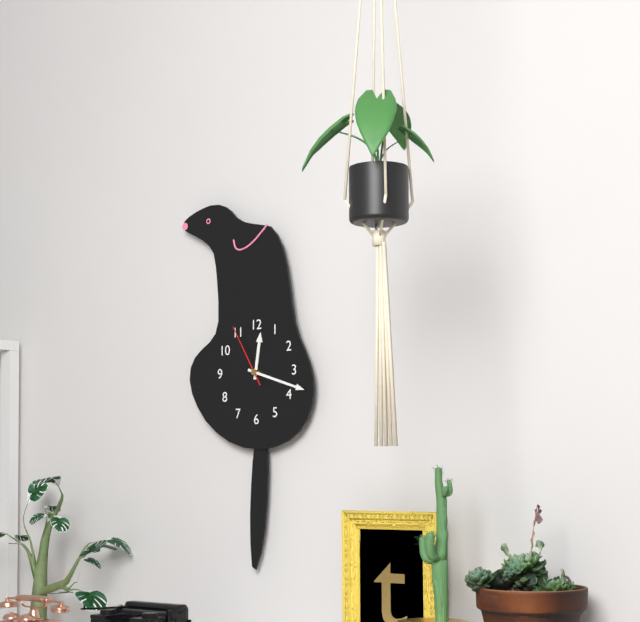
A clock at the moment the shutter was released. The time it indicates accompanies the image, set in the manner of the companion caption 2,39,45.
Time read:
12,18,55
